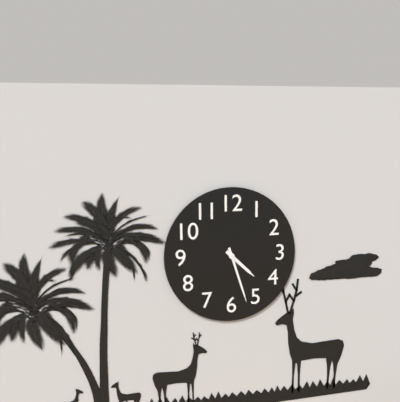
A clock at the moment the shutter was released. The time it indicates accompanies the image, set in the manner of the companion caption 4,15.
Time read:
4,27
